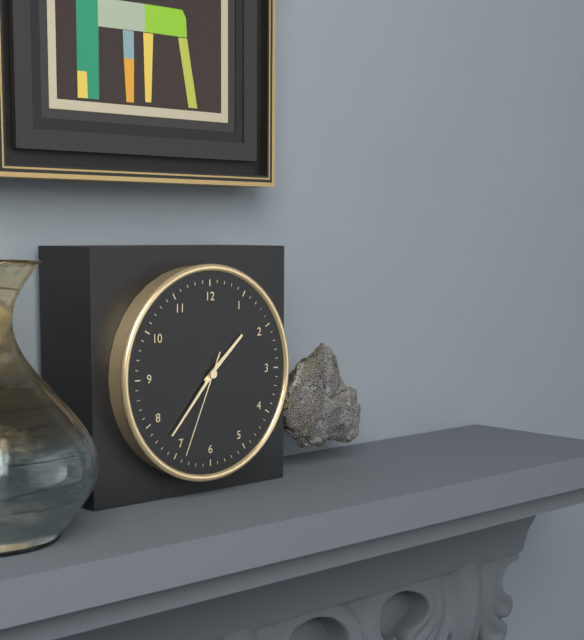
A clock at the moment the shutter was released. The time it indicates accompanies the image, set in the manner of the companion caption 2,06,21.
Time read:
1,37,34
